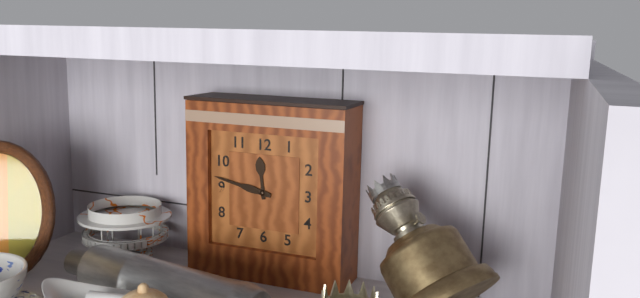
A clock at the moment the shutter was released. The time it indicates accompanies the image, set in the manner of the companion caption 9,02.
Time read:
11,47
